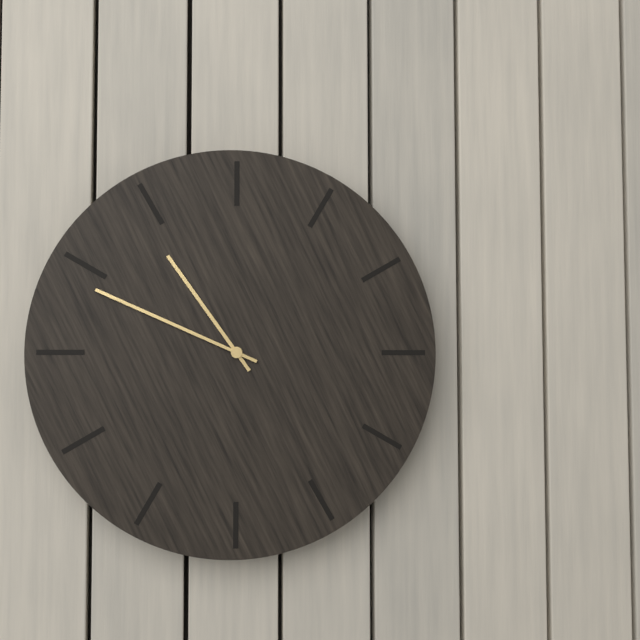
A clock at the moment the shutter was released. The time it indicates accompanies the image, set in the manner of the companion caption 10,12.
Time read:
10,49
